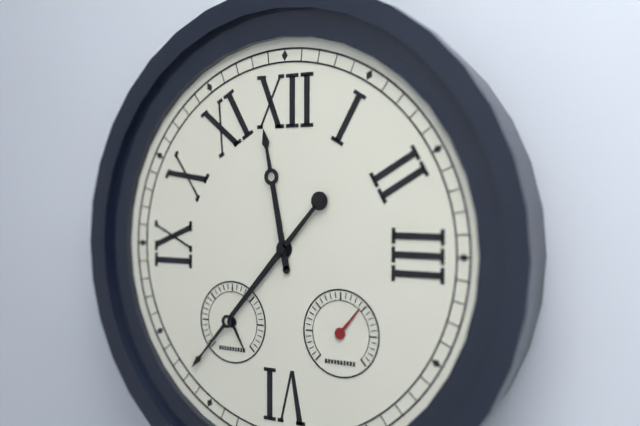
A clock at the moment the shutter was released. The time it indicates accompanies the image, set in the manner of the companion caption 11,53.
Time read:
11,37
